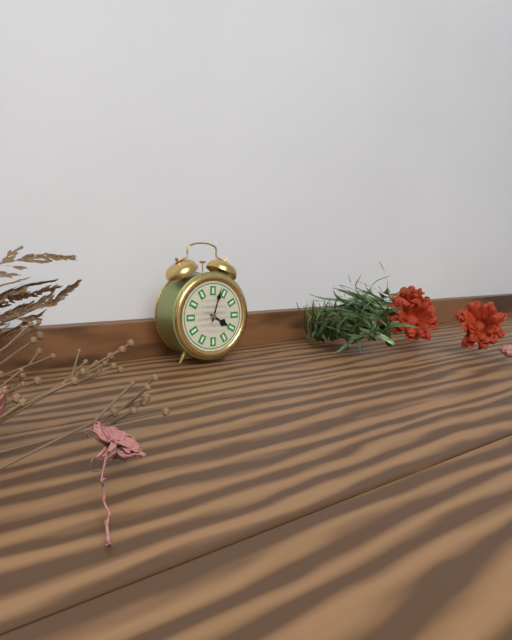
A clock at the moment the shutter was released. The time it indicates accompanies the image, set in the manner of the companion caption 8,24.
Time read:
4,03
